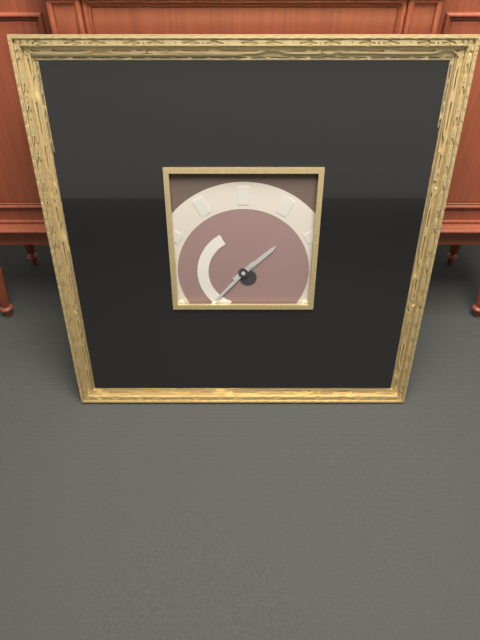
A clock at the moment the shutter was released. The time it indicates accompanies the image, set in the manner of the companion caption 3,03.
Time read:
1,37
